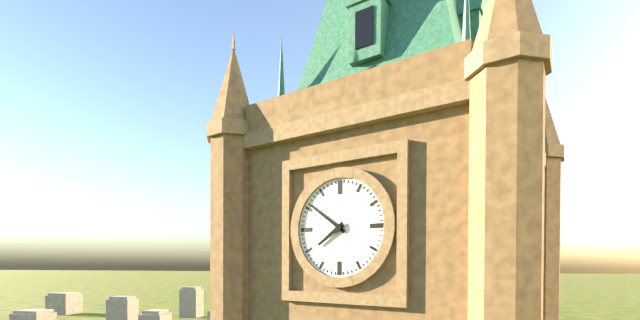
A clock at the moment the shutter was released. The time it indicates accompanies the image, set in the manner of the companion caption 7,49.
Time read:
7,51
